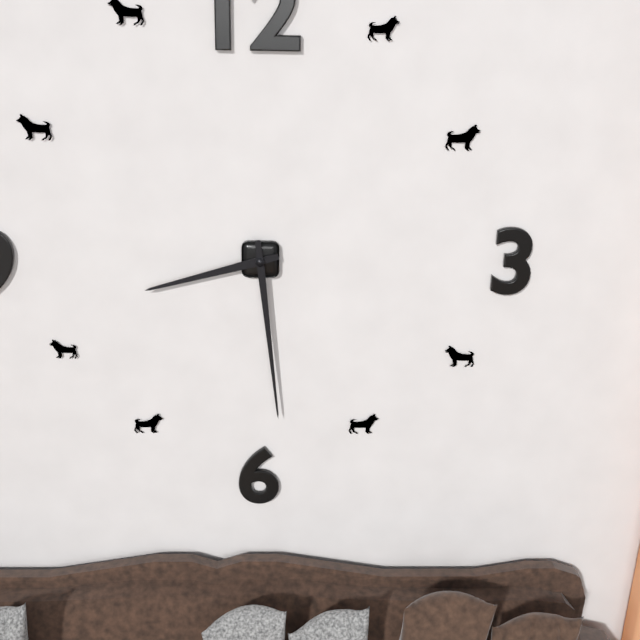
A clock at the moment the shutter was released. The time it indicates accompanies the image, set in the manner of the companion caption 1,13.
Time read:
8,29
